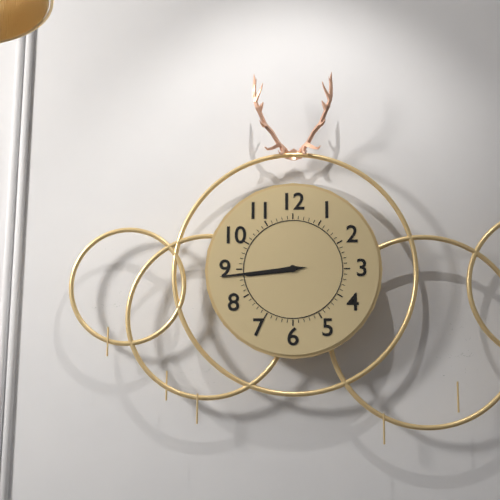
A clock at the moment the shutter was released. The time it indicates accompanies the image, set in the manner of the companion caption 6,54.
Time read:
8,44
